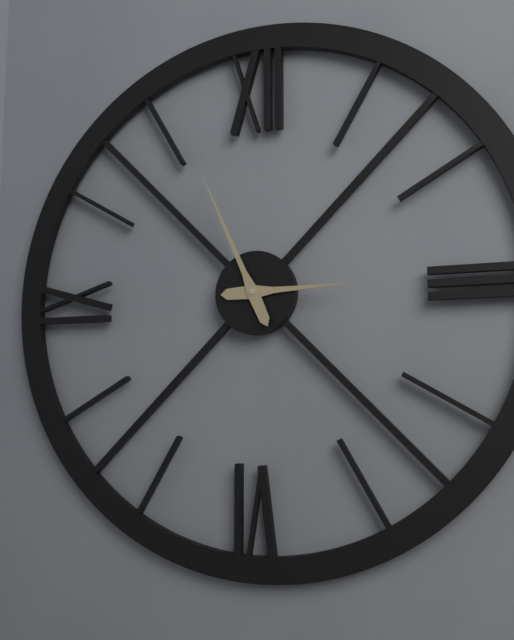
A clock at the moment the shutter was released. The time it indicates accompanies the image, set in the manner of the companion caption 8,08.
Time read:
2,56
